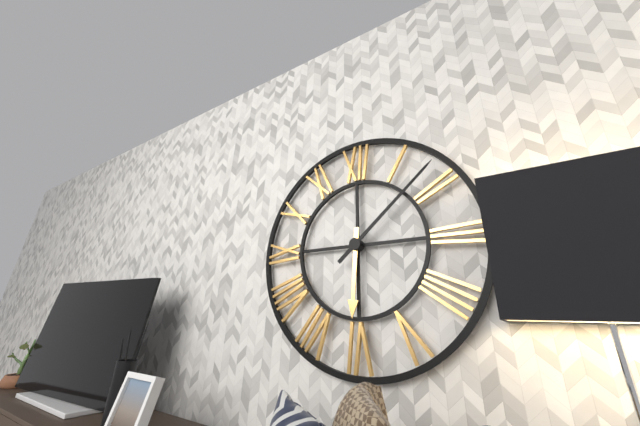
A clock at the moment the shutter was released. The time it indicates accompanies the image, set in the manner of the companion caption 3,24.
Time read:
6,08
